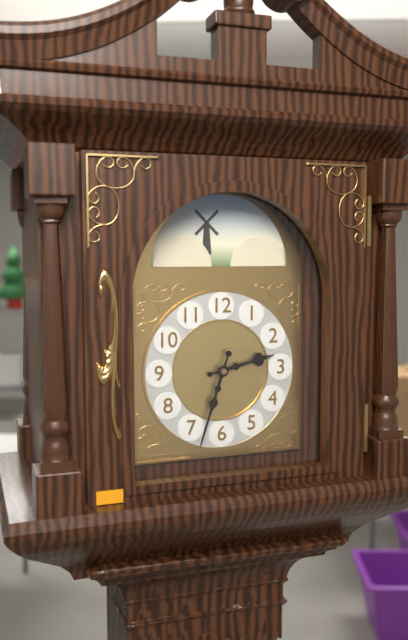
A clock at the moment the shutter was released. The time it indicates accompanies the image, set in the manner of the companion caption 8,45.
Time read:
2,33
